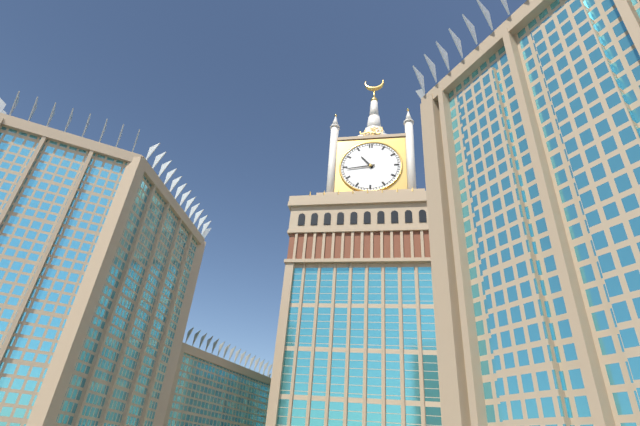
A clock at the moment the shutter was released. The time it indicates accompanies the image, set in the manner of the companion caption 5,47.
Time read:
10,44
